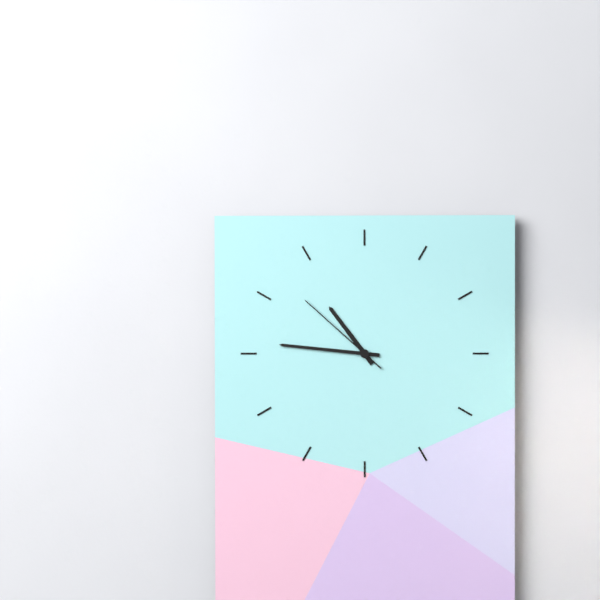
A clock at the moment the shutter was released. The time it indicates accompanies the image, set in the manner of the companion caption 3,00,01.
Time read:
10,46,52
